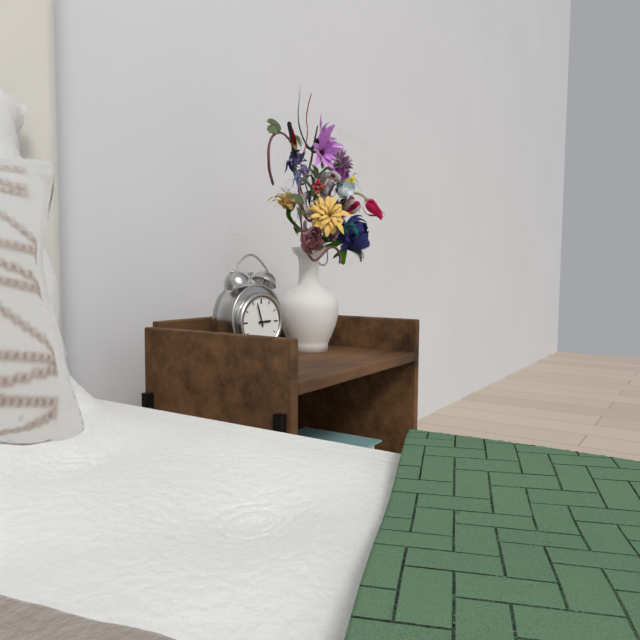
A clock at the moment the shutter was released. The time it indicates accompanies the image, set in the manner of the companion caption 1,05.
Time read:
2,57
